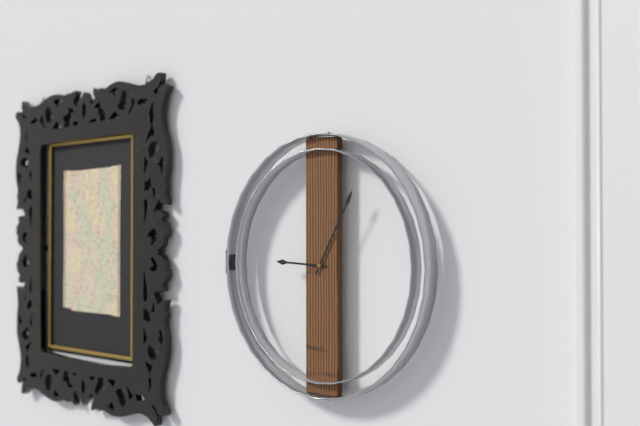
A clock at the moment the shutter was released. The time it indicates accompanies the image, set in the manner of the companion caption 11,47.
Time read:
9,05
